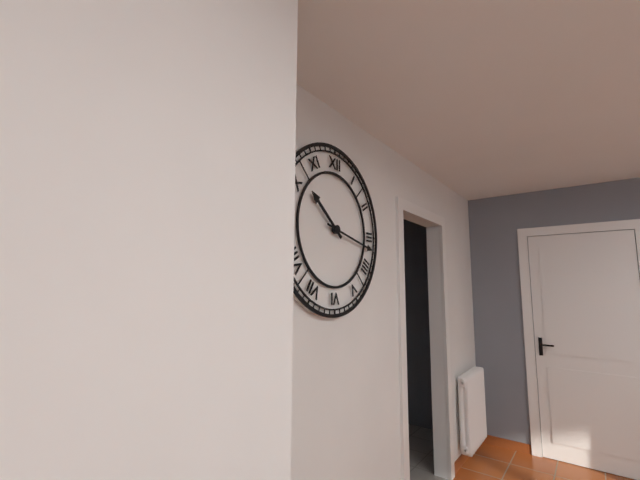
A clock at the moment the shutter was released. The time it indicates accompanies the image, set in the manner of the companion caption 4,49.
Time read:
10,17
